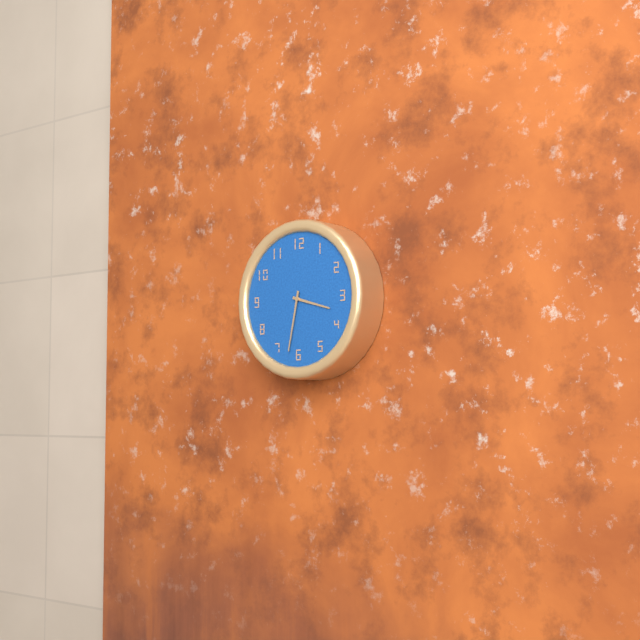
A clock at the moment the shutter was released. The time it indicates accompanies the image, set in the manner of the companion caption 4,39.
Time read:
3,32
